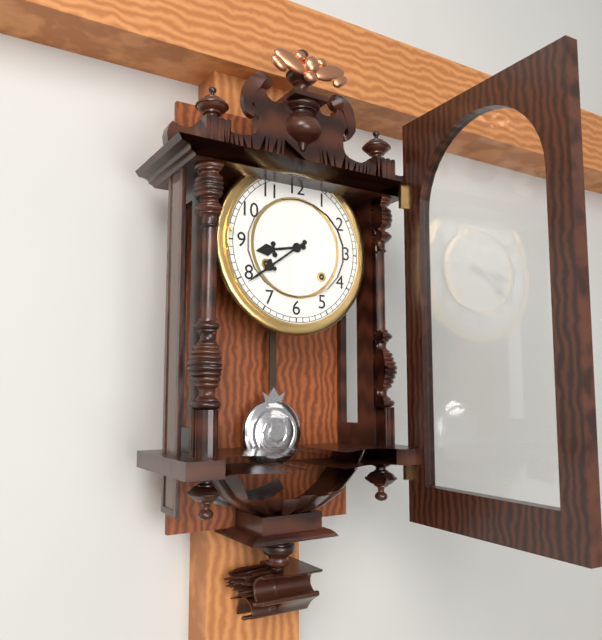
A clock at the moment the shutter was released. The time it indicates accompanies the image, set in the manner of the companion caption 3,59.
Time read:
8,39
